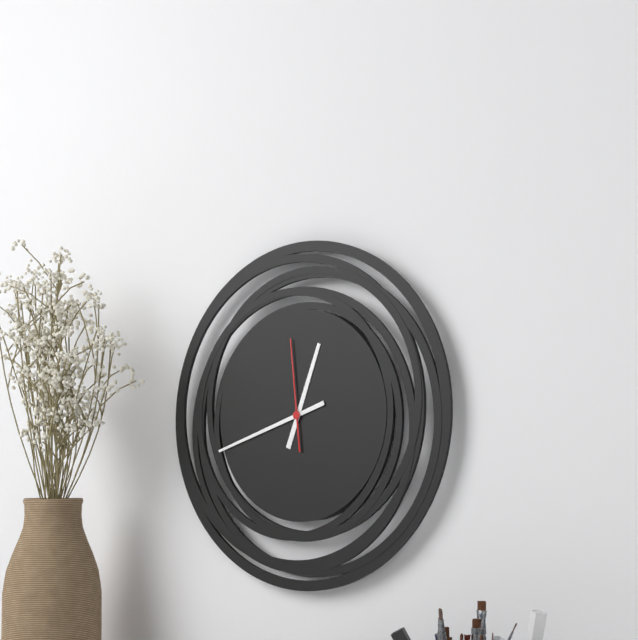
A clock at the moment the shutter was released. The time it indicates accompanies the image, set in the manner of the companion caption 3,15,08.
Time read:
12,42,59
